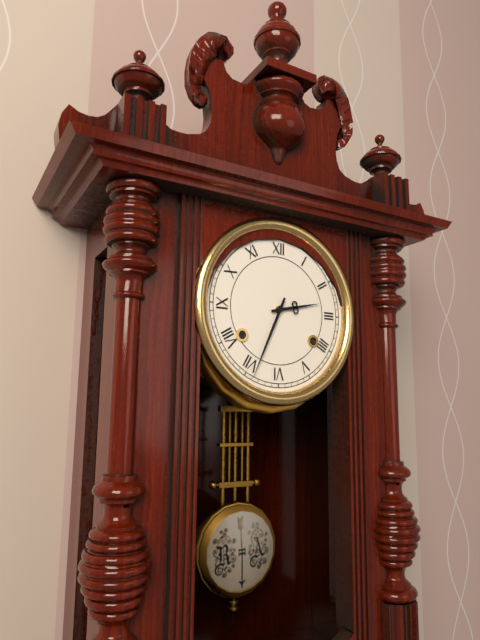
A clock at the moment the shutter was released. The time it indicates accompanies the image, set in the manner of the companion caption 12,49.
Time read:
2,34
